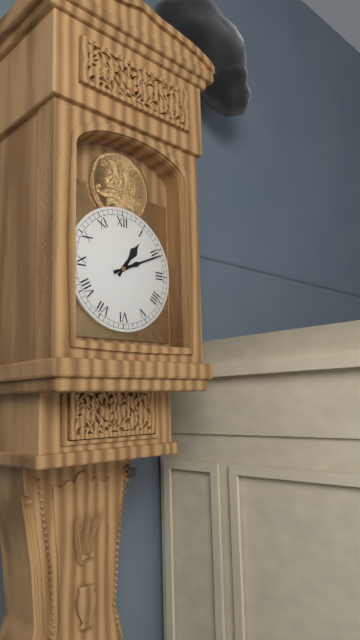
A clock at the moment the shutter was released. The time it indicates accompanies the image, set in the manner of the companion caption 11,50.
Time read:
1,11
